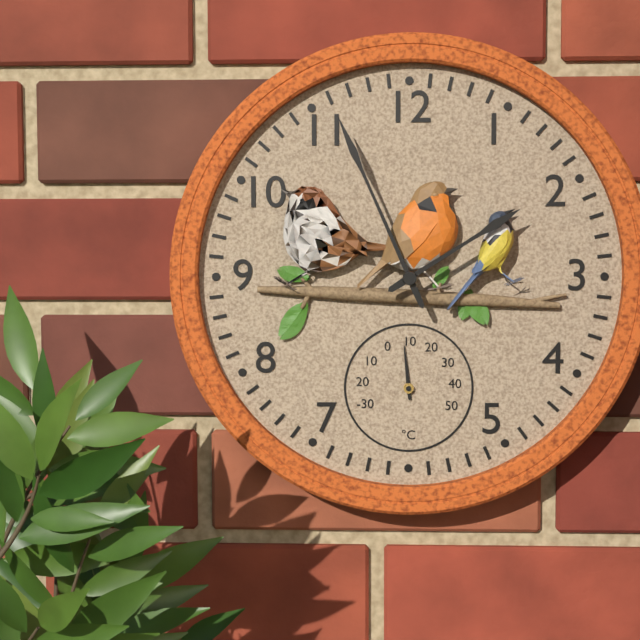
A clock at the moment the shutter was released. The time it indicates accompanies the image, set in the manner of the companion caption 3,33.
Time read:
1,56
